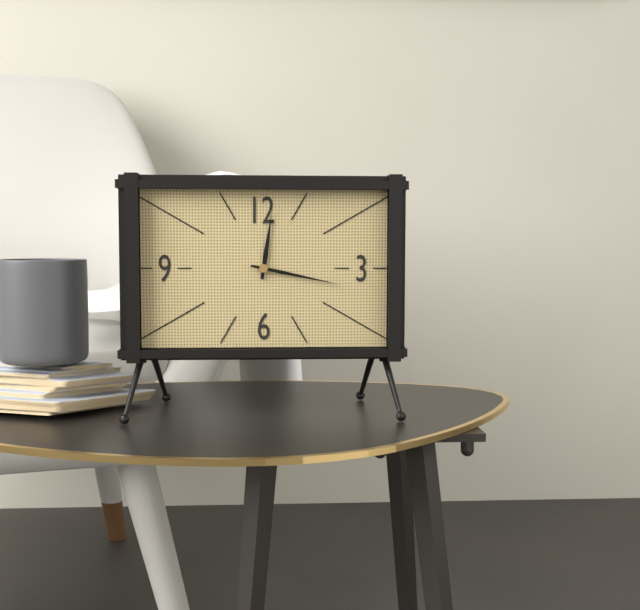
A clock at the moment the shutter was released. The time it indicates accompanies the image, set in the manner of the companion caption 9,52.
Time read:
12,17
